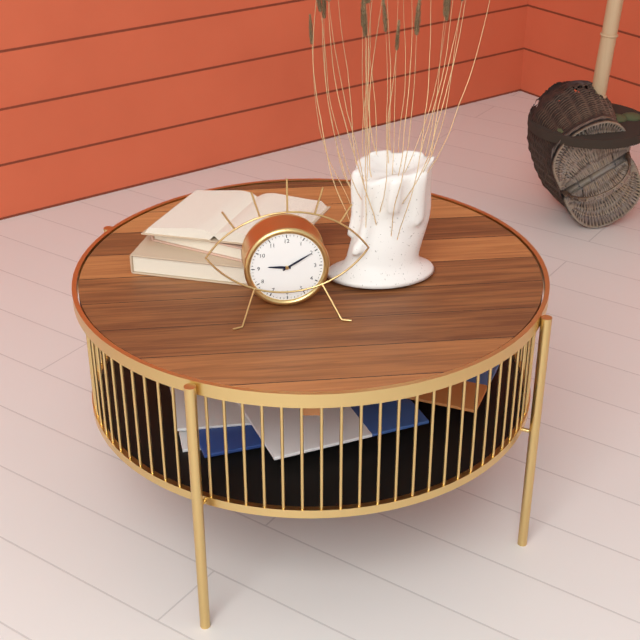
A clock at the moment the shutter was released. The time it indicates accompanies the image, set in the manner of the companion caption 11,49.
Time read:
9,10
